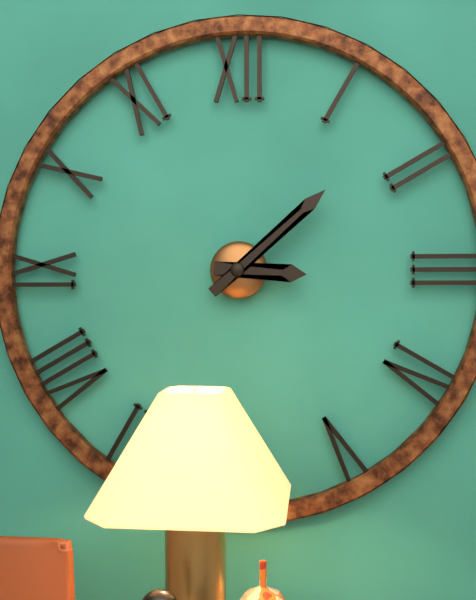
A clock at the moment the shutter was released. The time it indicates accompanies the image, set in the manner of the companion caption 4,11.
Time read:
3,08
